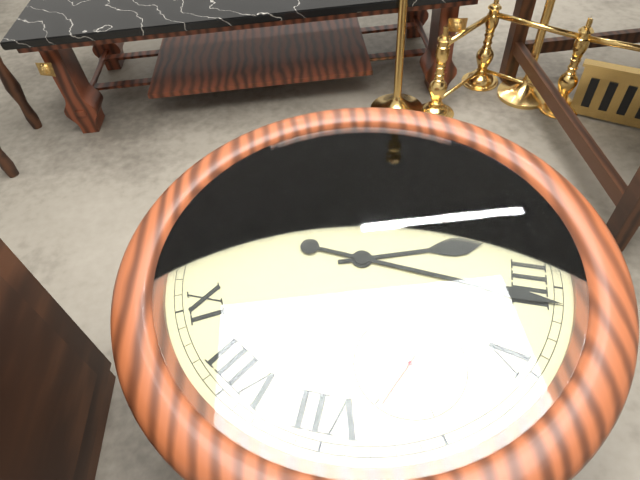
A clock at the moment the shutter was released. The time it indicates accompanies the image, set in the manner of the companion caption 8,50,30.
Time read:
3,21,39
